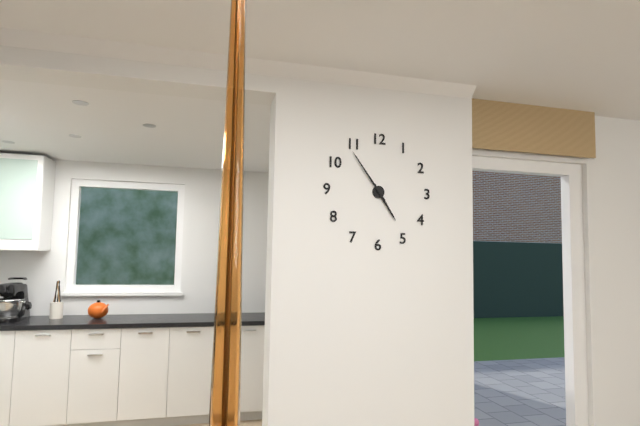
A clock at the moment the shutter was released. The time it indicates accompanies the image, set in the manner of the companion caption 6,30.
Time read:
4,54
